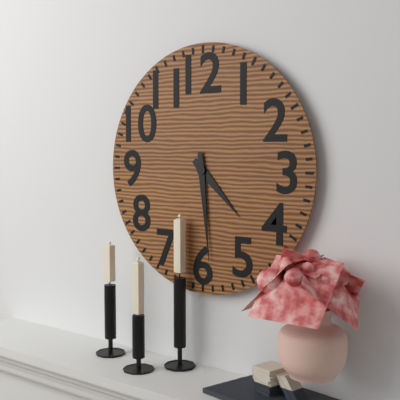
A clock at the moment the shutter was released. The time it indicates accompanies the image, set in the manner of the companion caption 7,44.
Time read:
4,29
